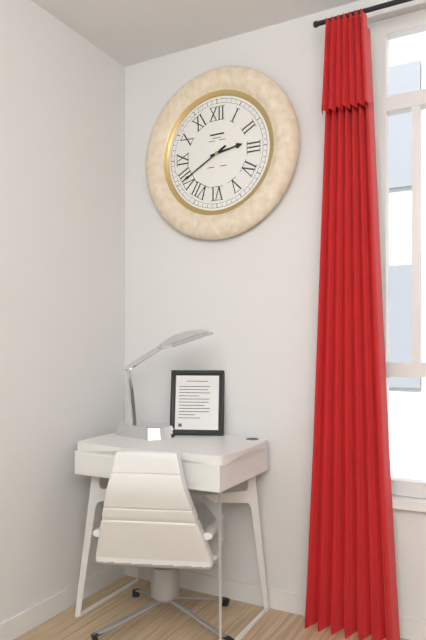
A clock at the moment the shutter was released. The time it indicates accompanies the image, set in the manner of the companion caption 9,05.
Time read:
2,40
